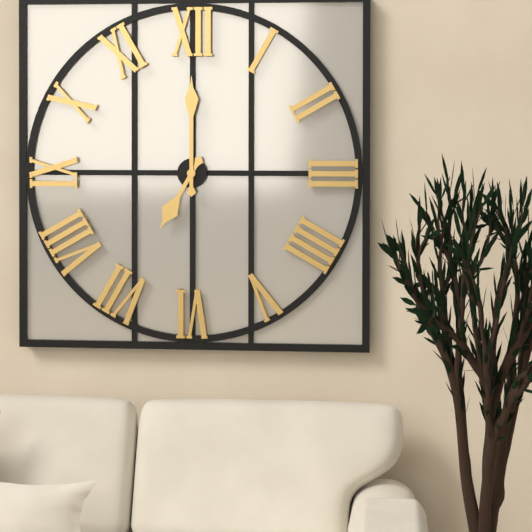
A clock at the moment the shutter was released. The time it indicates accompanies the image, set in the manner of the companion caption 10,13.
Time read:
7,00
